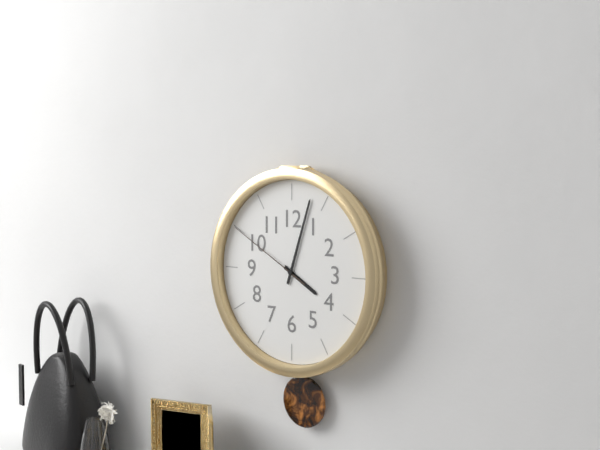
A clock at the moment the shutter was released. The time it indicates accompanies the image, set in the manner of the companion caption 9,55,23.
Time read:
4,03,50
